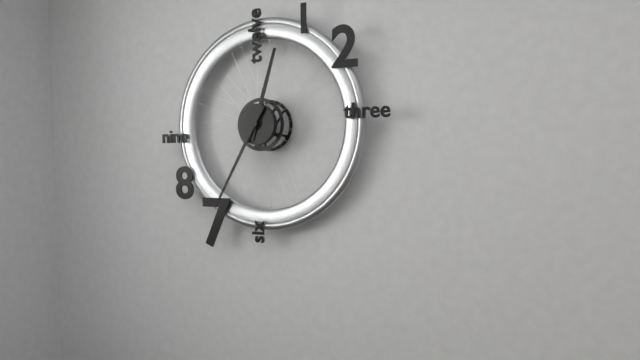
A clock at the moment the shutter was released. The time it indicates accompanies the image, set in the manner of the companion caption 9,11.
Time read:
12,35
